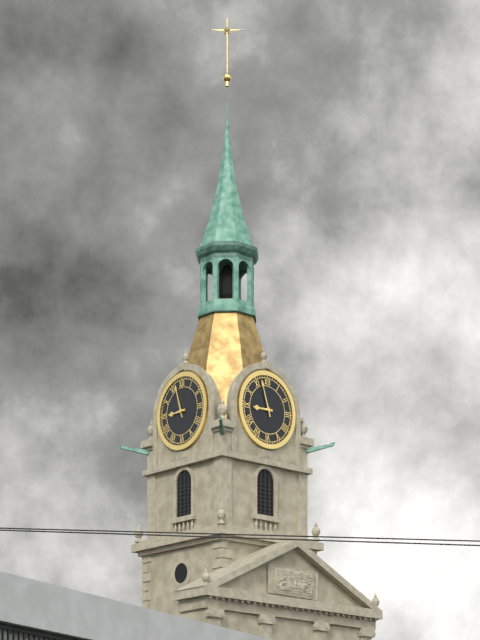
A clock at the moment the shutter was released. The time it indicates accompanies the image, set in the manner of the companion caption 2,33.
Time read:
8,57
